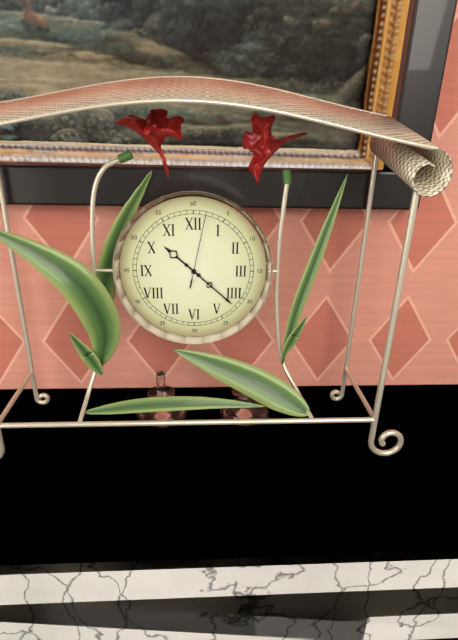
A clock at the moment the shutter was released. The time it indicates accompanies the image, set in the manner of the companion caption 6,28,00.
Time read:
10,22,02
